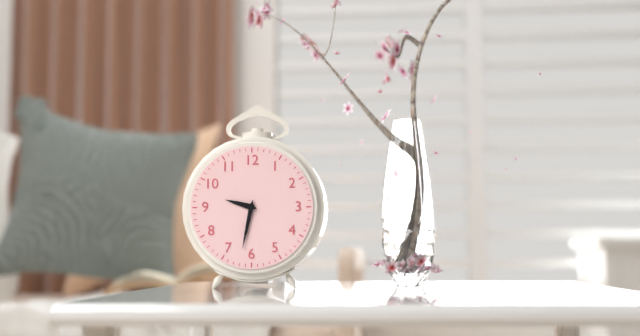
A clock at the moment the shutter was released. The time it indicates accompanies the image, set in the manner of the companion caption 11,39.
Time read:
9,32
